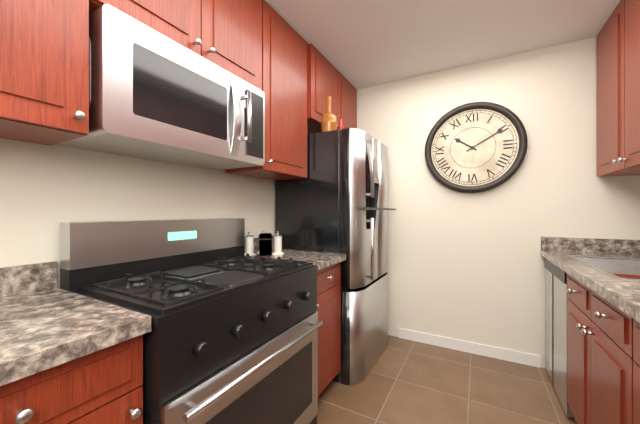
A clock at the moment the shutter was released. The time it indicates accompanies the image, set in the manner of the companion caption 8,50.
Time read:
10,10
